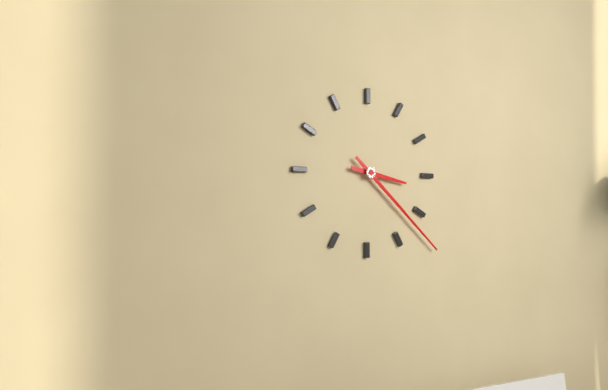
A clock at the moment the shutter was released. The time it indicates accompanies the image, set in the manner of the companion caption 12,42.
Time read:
3,22
